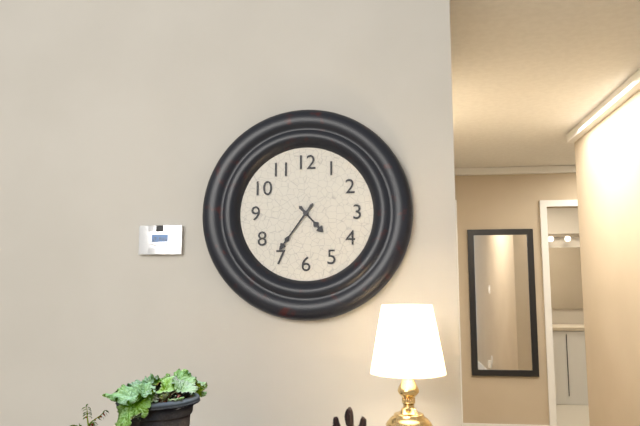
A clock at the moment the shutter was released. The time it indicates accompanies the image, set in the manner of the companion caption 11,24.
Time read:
4,36
